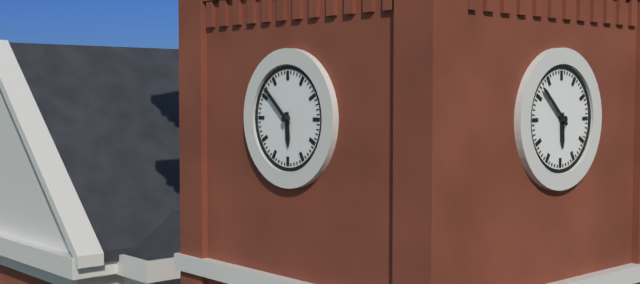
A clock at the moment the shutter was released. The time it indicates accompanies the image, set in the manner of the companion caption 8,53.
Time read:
5,52
